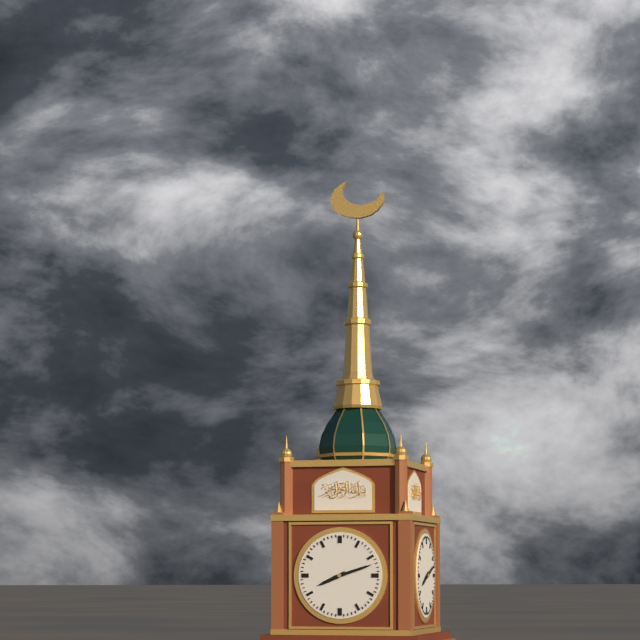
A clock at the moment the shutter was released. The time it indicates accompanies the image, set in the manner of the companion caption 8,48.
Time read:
8,12
